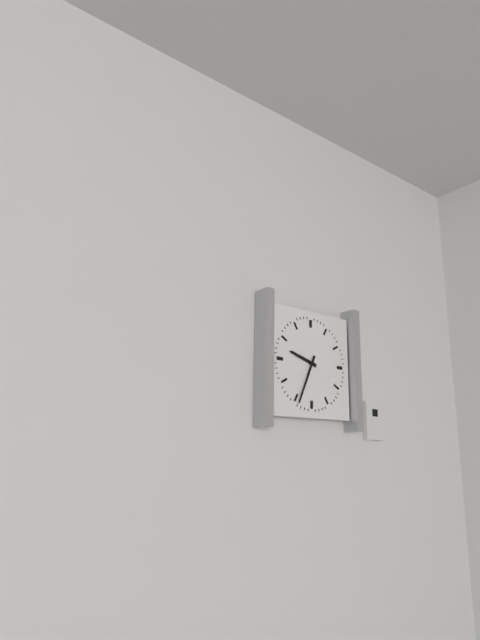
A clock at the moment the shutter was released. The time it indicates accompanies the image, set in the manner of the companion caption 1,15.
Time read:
9,34
